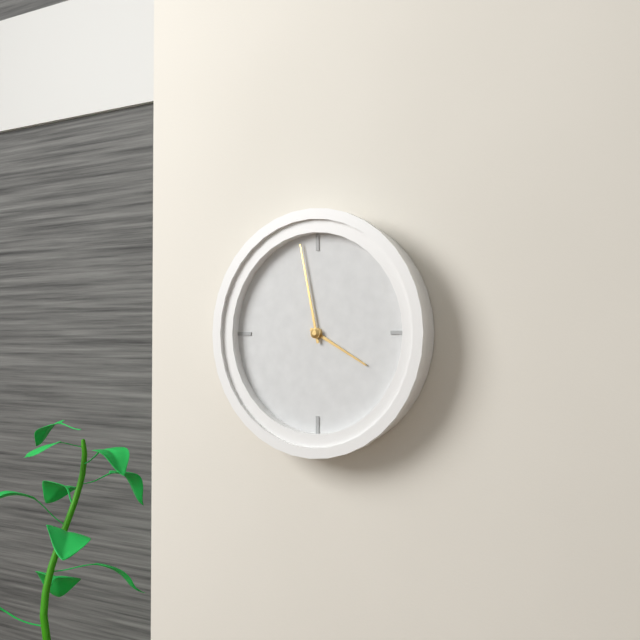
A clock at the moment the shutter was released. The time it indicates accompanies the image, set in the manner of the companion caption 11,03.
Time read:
3,58
